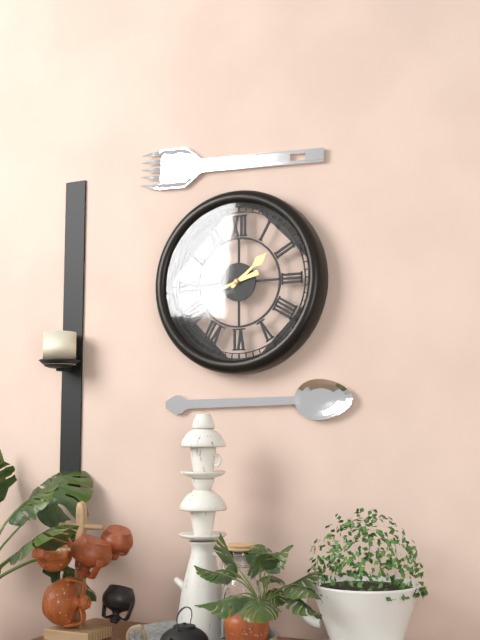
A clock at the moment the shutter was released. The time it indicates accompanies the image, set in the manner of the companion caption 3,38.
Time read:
1,42
